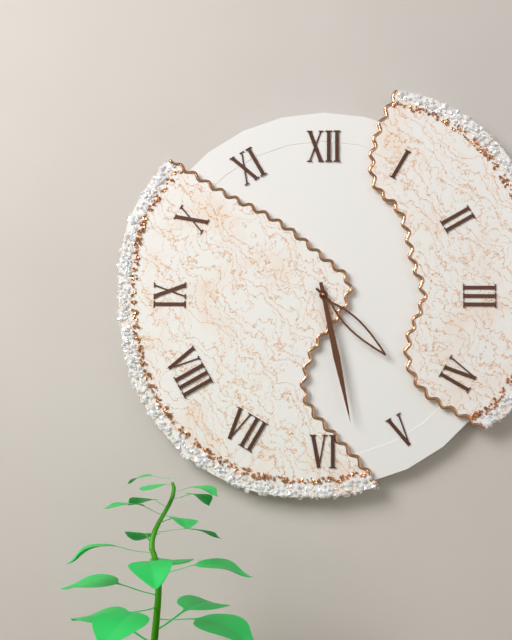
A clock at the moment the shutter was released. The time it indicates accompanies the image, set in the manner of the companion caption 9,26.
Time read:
4,28
